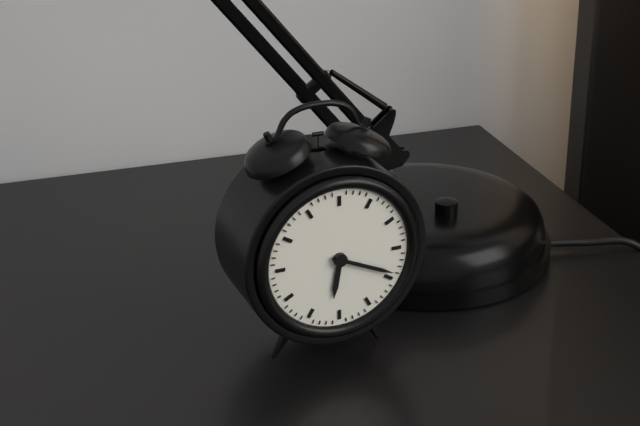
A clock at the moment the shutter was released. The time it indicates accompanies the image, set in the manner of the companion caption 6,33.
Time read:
6,19
